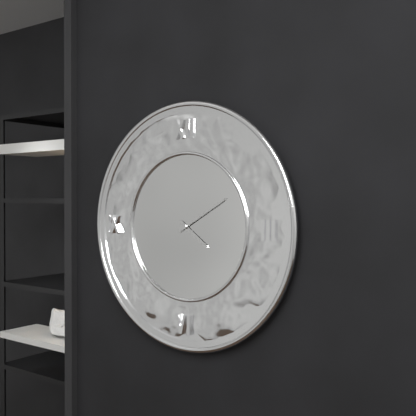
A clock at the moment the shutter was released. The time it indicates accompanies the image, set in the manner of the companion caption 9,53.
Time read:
4,10
